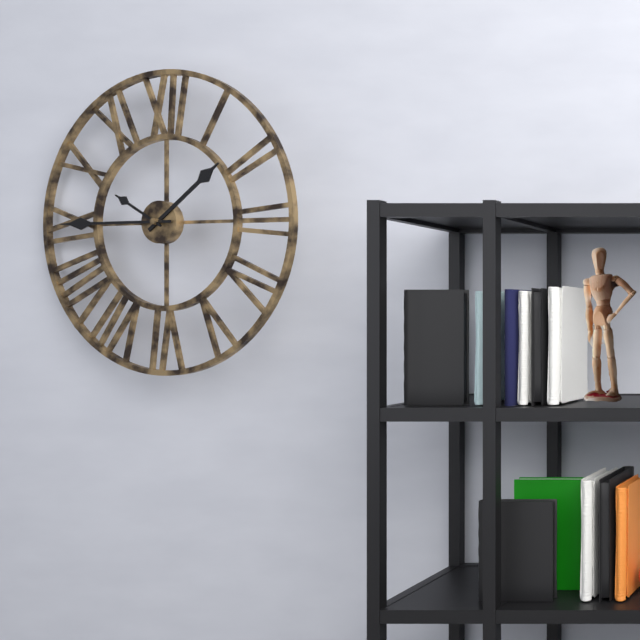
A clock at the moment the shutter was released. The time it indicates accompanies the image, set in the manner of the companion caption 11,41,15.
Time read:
1,45,50
